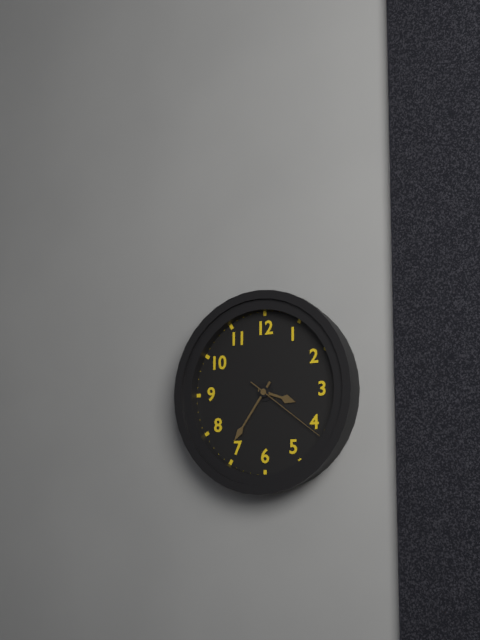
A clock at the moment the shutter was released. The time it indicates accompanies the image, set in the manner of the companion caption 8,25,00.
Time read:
3,36,21
